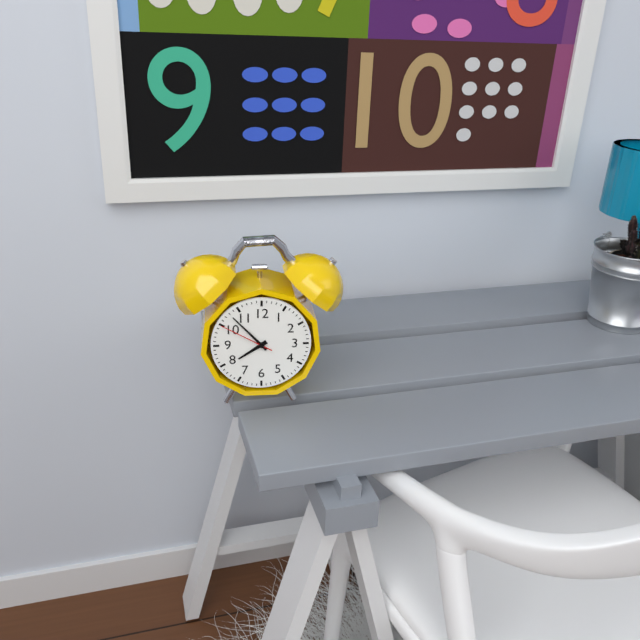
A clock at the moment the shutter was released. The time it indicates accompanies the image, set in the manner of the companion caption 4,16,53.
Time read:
7,53,50
